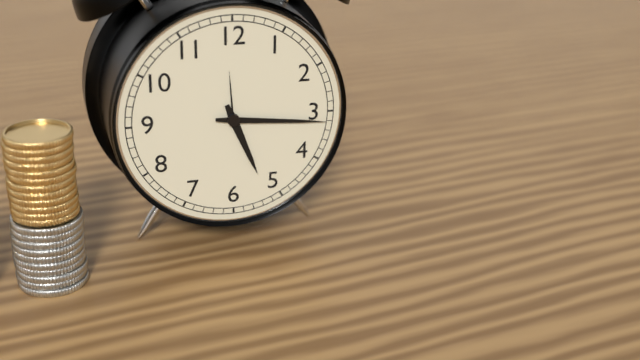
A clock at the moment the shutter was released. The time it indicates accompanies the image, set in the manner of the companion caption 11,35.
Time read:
5,16
